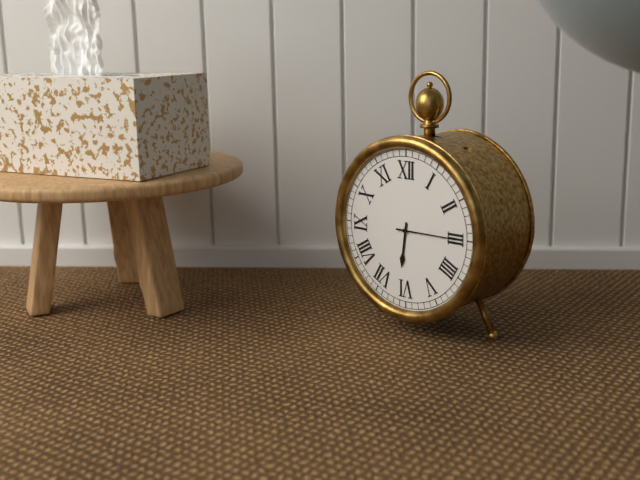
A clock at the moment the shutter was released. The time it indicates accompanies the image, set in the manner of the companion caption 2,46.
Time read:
6,15
